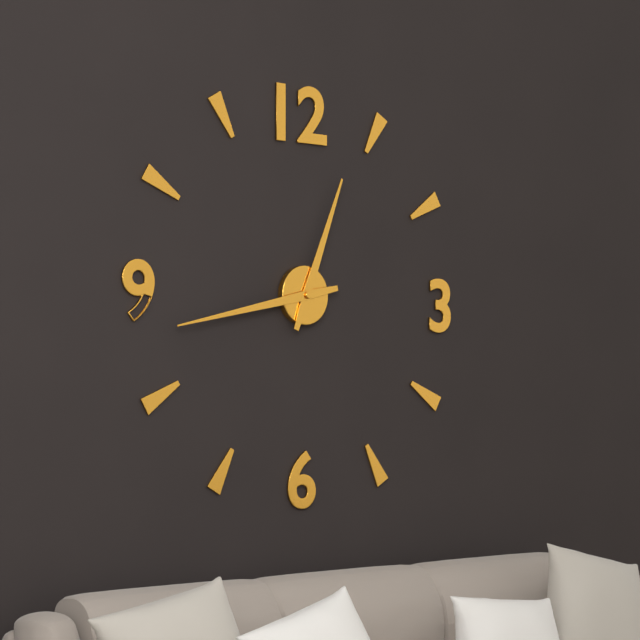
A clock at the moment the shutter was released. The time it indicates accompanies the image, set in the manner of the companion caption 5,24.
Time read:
12,43
